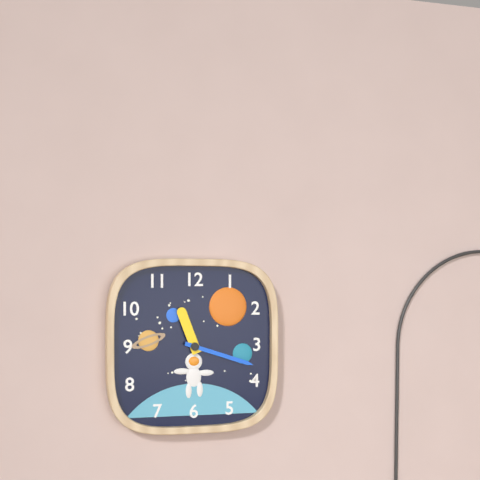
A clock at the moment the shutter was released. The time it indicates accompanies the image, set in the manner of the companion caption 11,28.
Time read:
11,18
